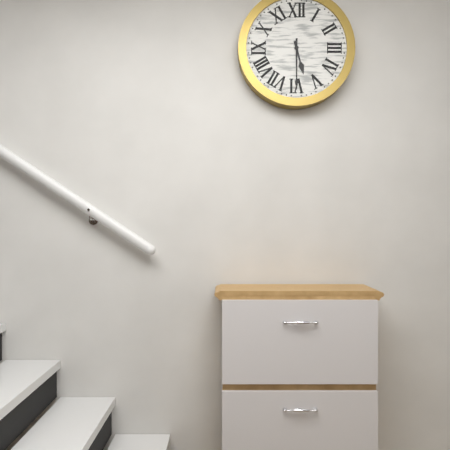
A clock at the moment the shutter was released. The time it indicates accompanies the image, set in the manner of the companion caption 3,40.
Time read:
5,30
